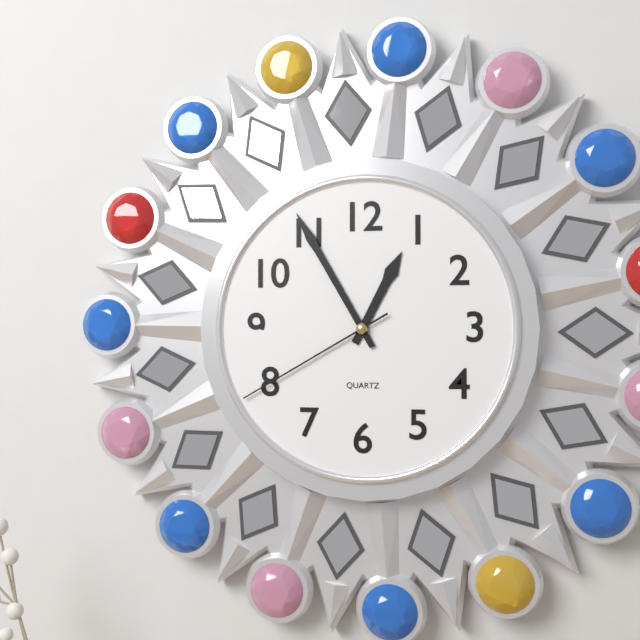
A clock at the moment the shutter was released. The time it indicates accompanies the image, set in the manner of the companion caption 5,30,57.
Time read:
12,55,40
